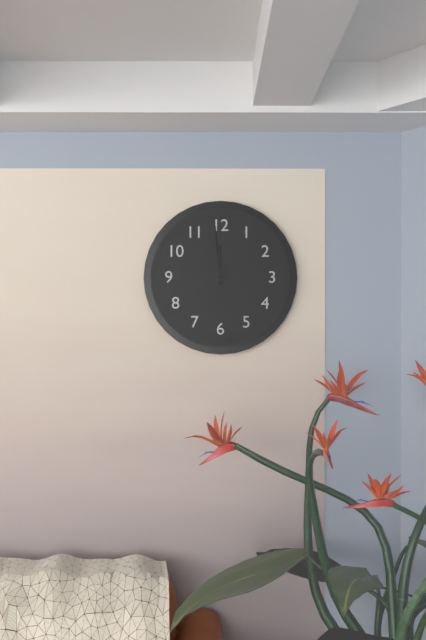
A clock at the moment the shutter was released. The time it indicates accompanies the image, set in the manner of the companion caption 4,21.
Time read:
11,59
